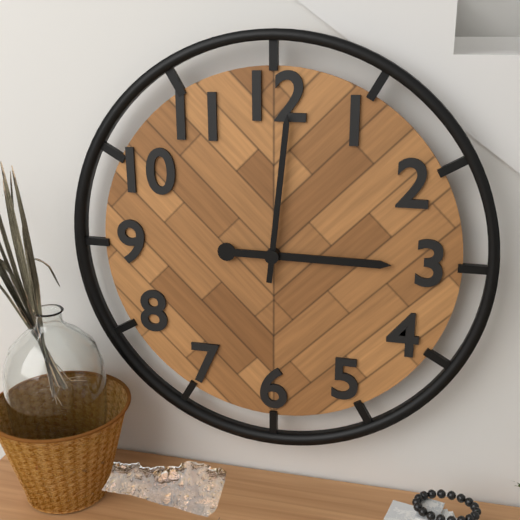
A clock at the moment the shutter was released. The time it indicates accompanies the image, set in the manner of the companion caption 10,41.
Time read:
3,01
